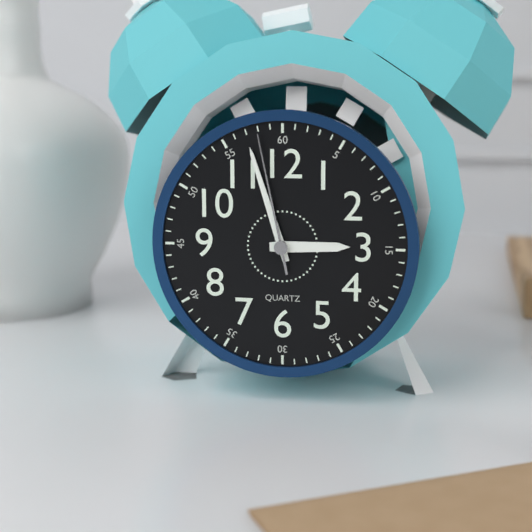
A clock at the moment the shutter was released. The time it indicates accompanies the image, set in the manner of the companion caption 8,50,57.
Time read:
2,57,58
